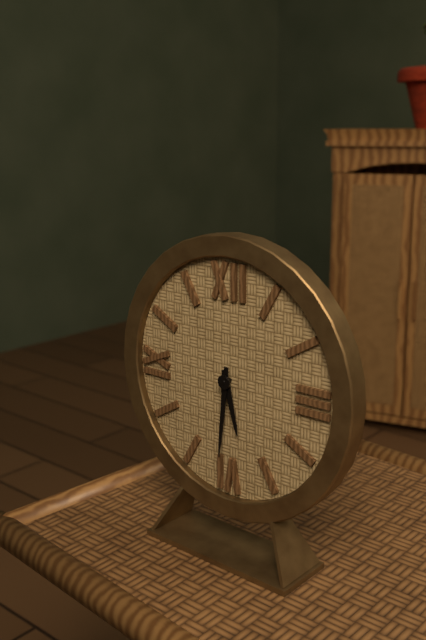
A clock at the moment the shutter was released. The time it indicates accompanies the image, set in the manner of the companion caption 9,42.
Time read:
5,31
